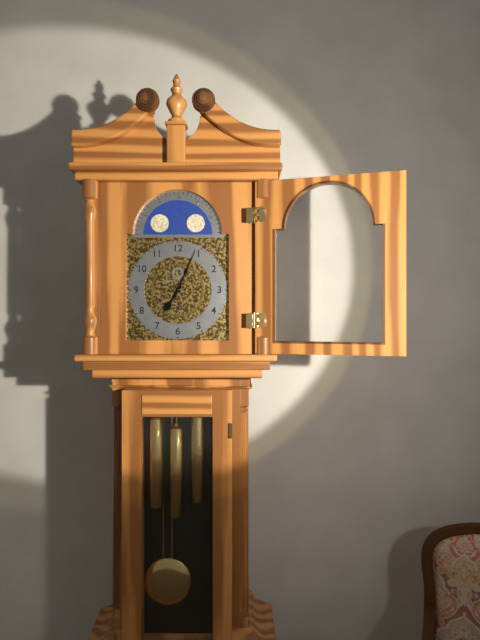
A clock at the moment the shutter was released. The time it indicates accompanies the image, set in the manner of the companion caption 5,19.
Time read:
7,04
